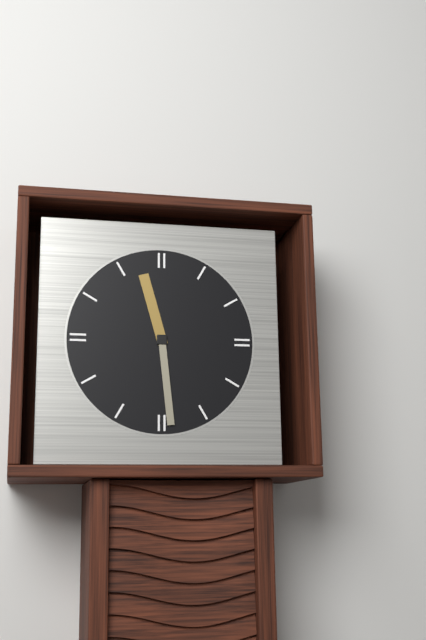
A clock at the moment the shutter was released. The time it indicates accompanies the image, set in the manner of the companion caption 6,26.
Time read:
11,29
